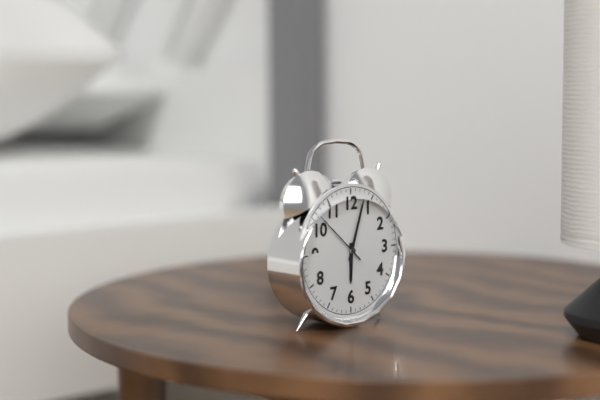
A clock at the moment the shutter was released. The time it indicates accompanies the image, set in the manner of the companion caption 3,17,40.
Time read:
6,03,52
